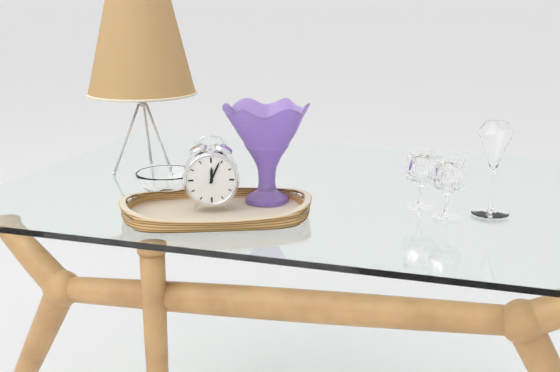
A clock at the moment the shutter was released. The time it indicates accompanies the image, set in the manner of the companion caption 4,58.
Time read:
12,04
